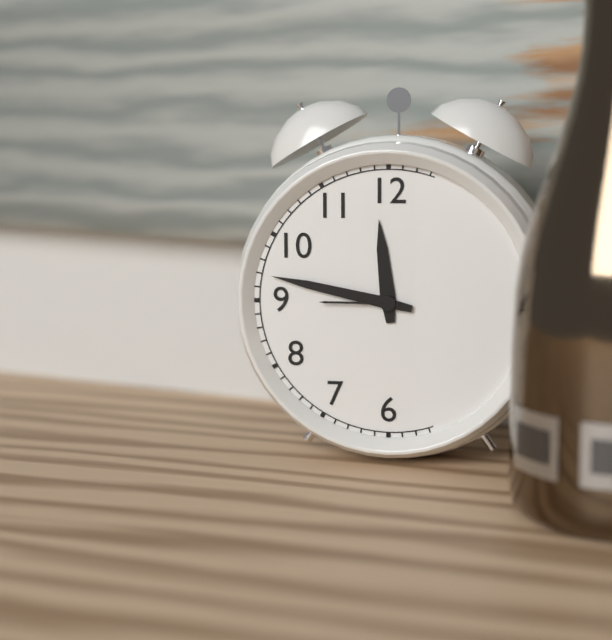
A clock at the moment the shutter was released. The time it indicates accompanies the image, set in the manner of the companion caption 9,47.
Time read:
11,47
